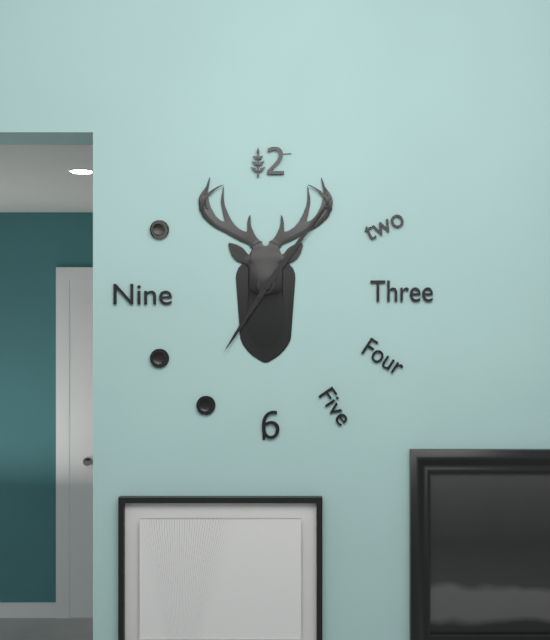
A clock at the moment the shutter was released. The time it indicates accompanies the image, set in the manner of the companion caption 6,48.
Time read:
7,06
